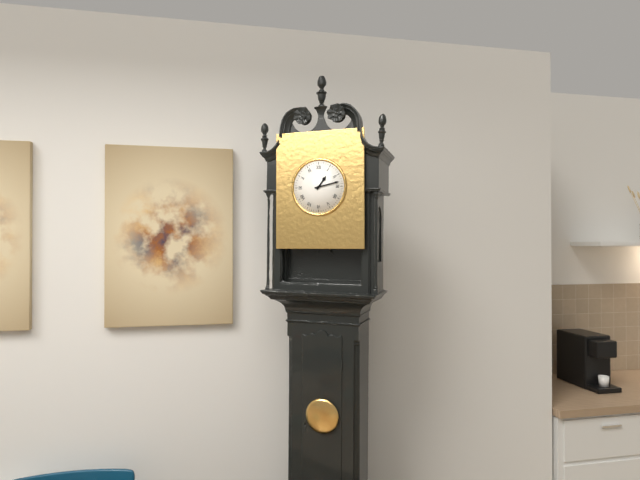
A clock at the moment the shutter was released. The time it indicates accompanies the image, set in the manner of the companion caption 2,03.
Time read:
1,13
